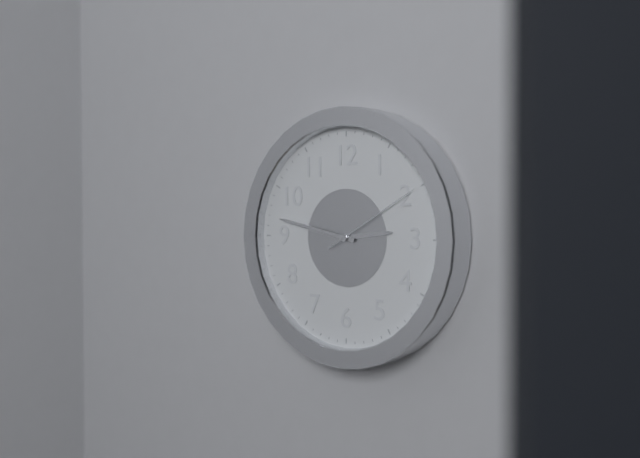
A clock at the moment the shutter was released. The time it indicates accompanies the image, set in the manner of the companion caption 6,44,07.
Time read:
2,47,10
